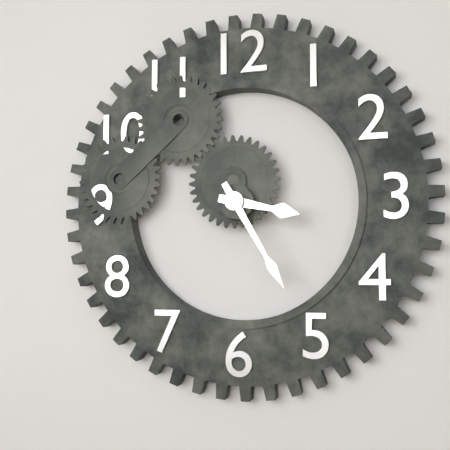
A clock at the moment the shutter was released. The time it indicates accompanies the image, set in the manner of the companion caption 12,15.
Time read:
3,25
